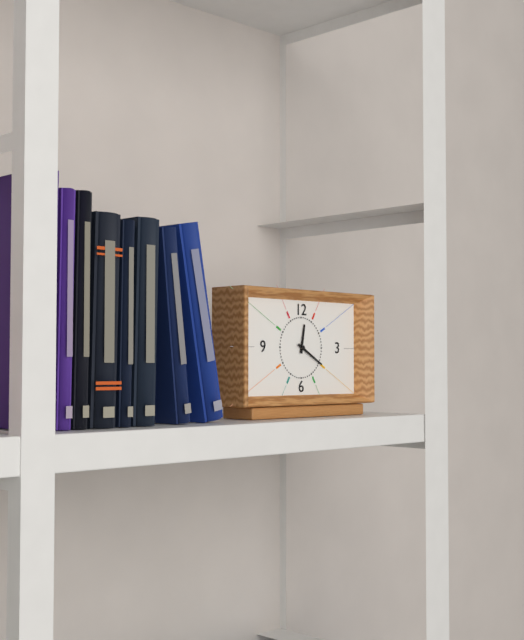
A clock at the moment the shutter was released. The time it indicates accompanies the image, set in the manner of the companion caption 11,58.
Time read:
12,20
